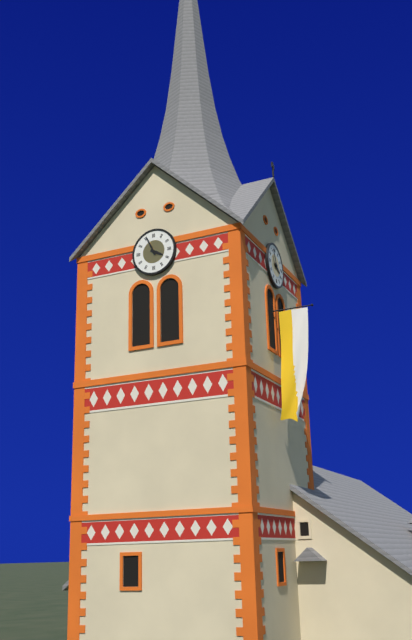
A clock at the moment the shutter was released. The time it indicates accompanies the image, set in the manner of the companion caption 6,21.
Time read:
3,56
